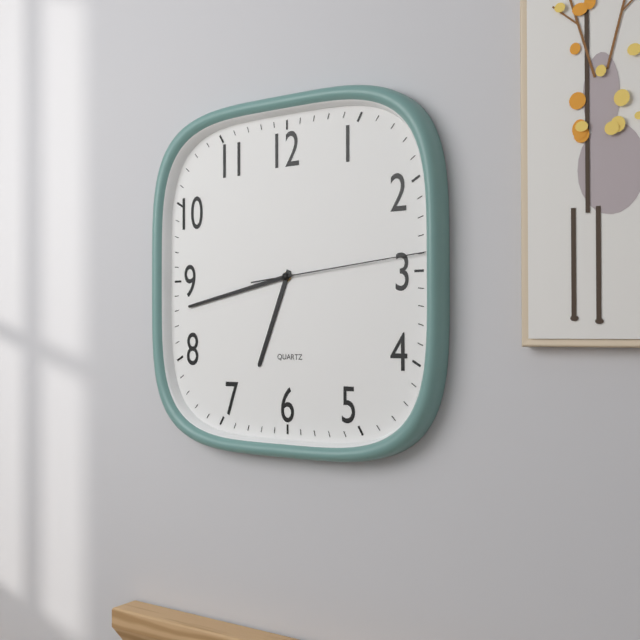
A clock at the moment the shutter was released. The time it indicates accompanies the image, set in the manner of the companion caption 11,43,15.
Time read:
6,43,14
